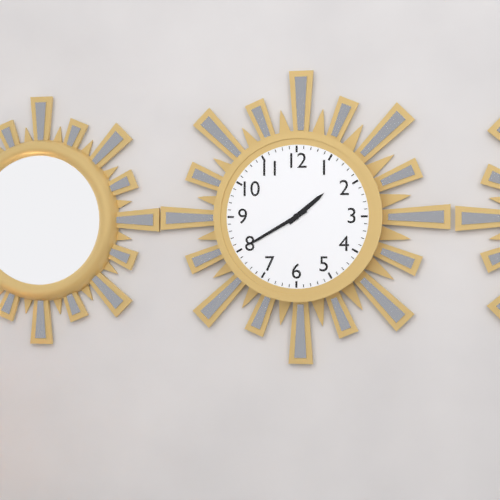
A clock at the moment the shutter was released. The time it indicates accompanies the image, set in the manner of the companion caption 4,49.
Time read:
1,40
